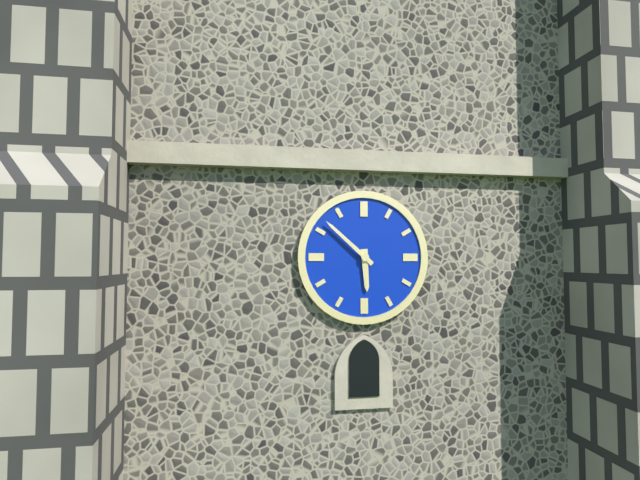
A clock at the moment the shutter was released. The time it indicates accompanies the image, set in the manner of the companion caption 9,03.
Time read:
5,52
